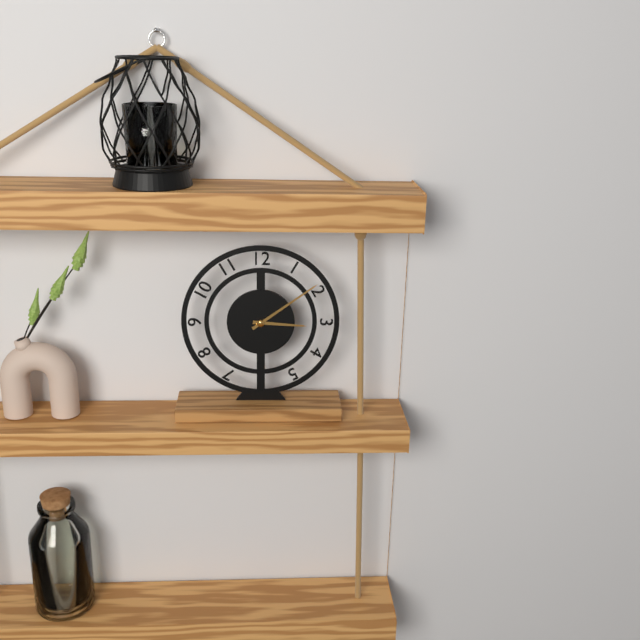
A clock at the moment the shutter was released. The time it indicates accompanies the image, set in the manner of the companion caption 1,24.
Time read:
3,09
